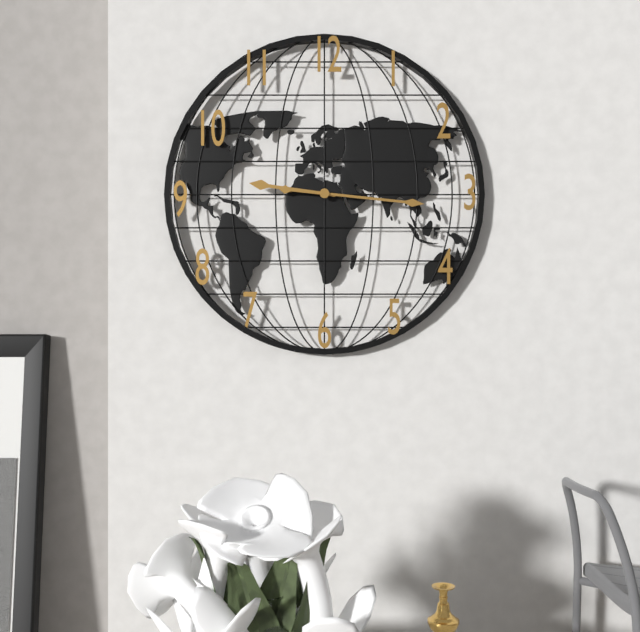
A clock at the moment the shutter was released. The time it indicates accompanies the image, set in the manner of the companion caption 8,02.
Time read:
9,16
